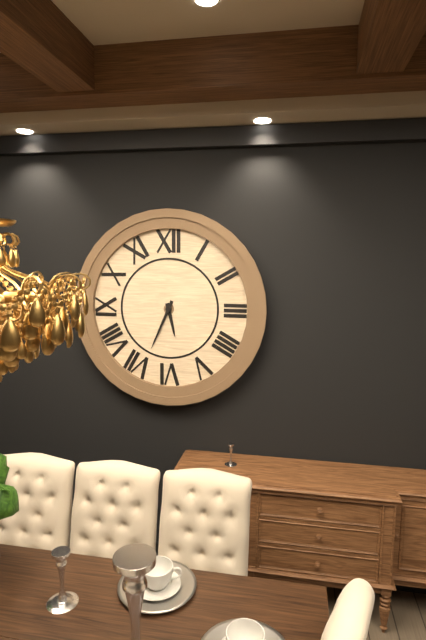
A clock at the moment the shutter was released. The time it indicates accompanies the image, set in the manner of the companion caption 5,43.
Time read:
5,34
